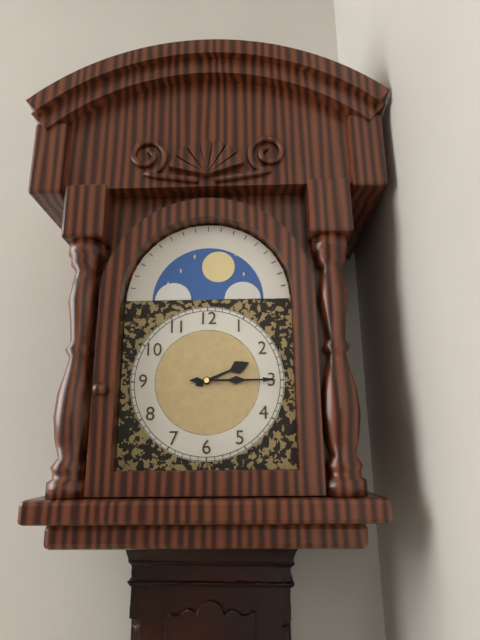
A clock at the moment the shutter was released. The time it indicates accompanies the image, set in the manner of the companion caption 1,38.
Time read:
2,15
